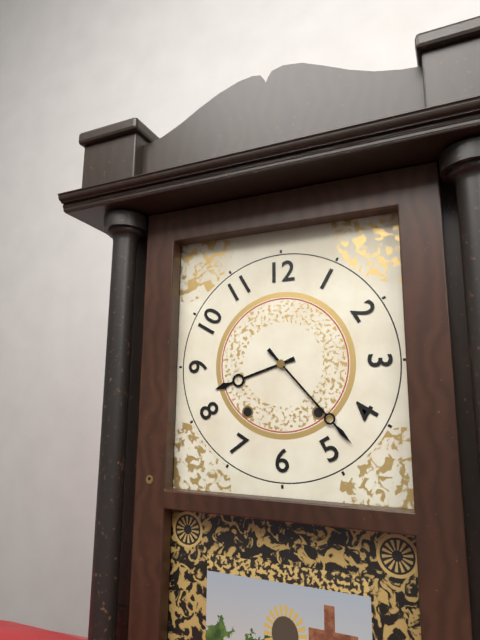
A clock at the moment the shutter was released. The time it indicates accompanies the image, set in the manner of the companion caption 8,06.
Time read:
8,23
